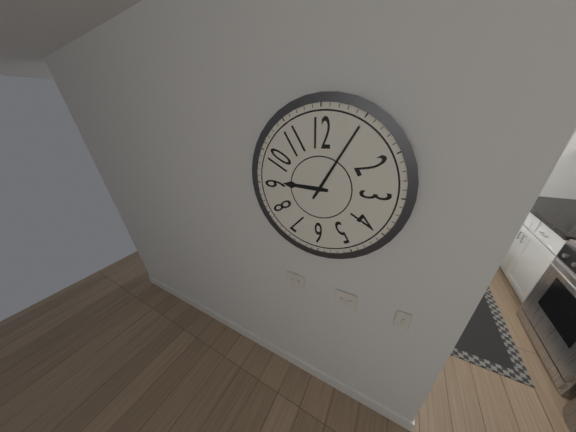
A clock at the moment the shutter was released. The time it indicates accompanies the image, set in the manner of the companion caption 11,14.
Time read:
9,05
